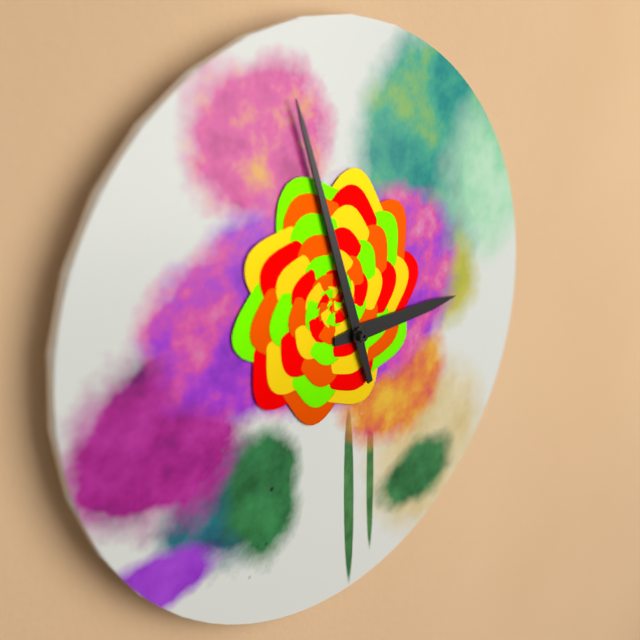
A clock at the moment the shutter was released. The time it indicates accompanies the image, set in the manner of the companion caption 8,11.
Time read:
2,57
